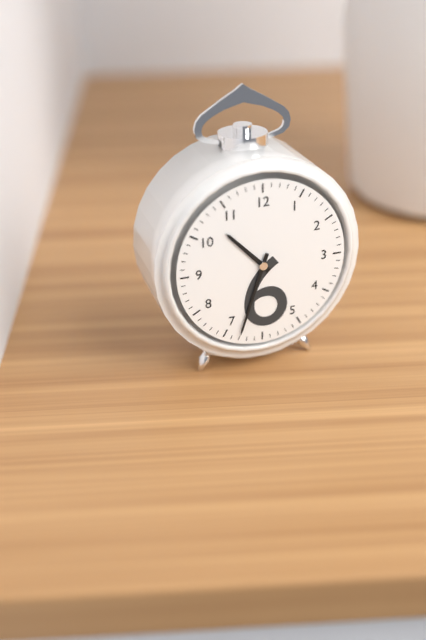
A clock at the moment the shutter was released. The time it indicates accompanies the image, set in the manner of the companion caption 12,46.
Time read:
10,33
